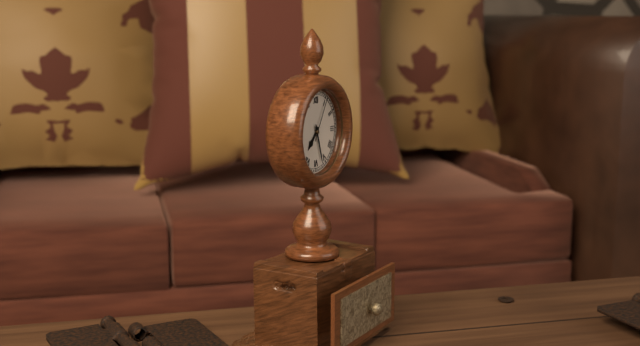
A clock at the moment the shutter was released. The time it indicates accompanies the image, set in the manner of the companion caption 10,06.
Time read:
7,27
